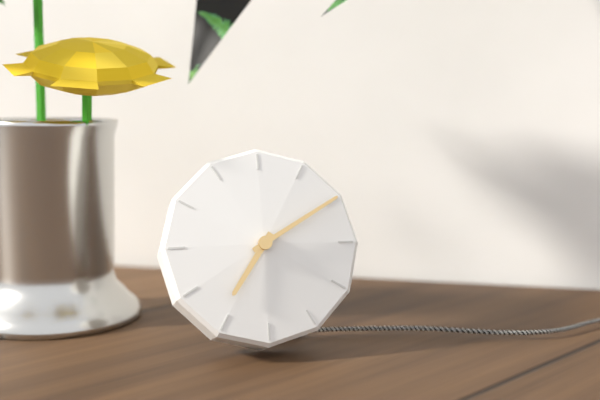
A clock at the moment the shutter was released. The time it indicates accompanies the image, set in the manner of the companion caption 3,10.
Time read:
7,10
